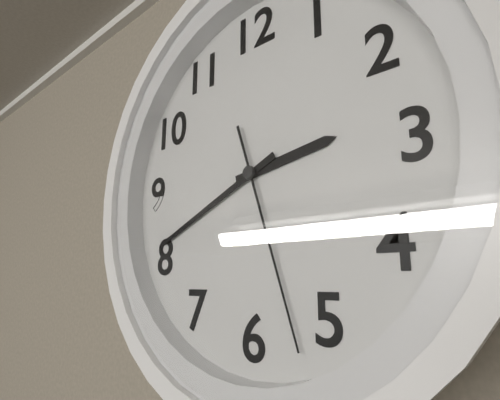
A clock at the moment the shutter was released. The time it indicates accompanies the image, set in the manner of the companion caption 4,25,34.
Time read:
2,41,27
